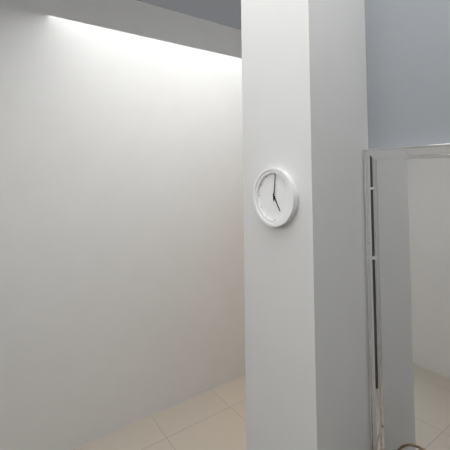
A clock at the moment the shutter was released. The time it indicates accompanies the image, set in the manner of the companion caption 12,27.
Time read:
5,01
